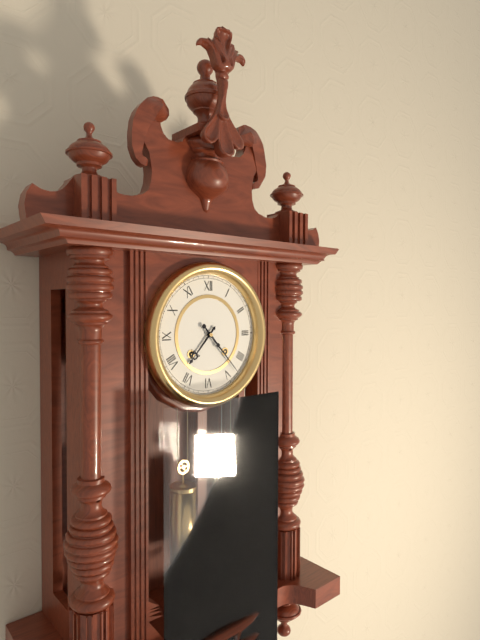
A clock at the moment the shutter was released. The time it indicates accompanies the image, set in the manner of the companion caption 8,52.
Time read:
7,23
